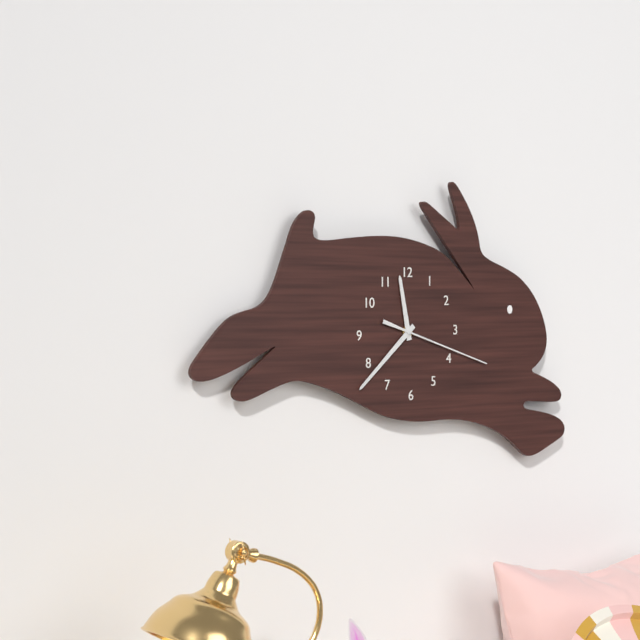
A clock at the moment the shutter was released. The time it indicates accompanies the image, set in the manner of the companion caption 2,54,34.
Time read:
11,38,18
